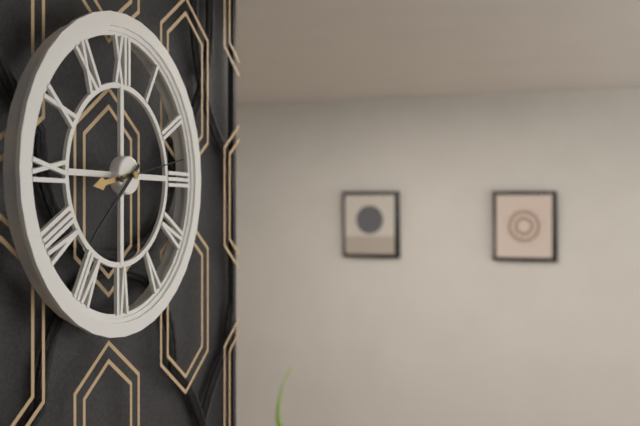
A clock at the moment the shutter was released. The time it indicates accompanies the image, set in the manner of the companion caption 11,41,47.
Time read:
8,38,13
